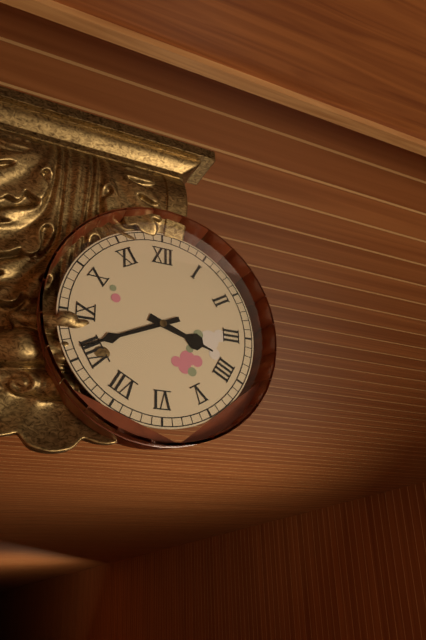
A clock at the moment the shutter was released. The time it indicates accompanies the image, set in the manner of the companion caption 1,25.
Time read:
3,41
